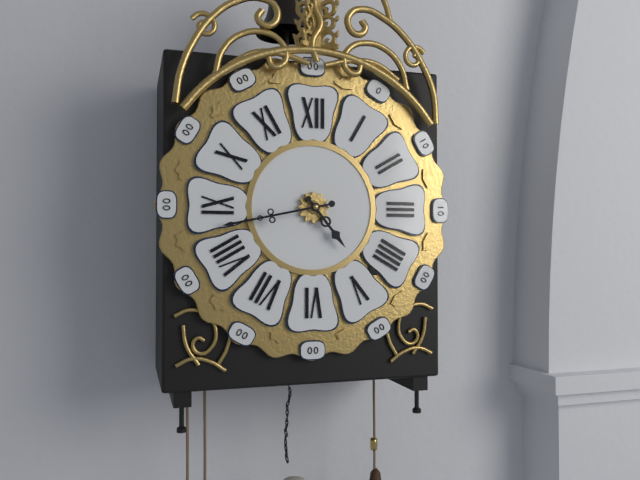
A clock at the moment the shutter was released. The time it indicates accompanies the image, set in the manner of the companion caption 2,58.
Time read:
4,43
